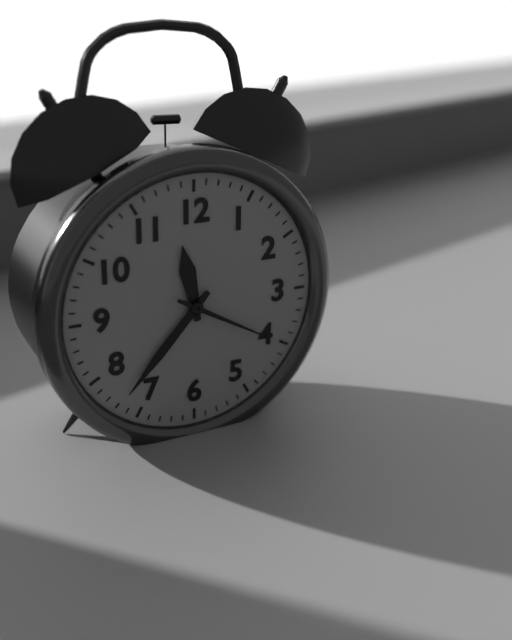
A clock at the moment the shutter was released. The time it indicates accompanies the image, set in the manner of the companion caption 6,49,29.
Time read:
11,37,20
